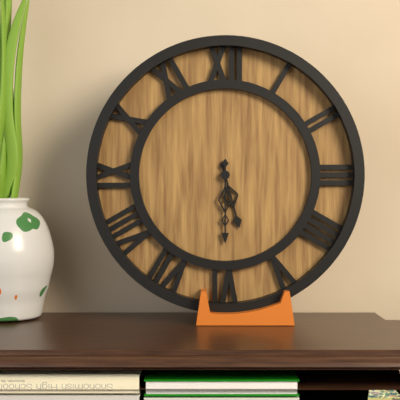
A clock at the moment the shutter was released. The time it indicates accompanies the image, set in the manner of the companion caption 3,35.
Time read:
5,30
